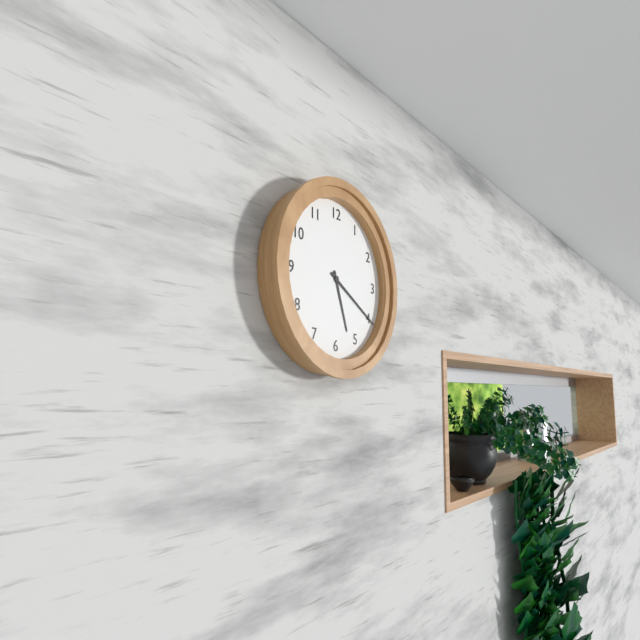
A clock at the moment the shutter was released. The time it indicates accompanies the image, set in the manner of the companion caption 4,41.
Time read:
5,20
